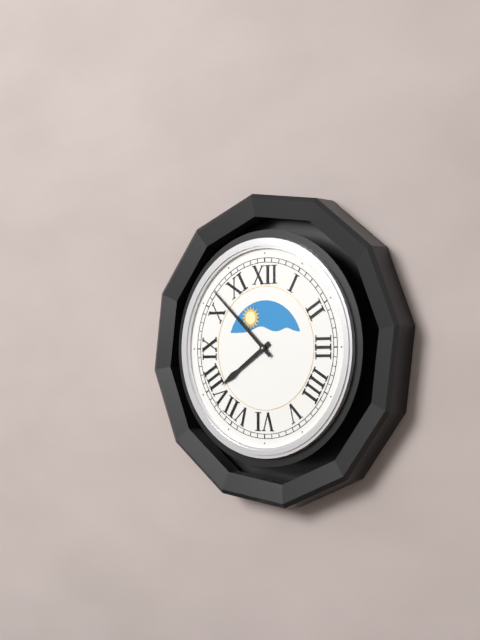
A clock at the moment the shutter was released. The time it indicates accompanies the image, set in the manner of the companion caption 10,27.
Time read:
7,52
